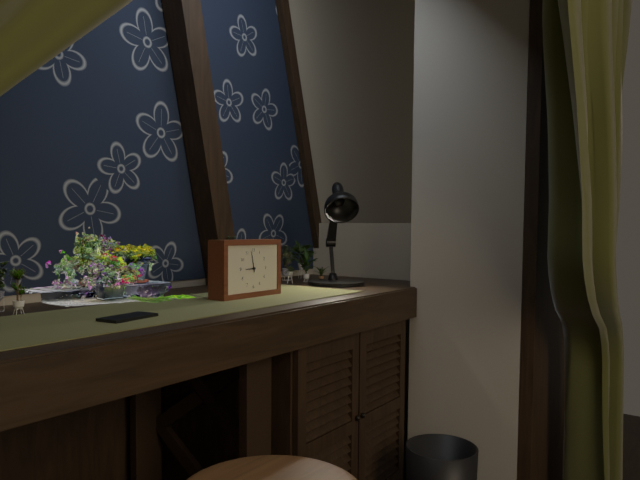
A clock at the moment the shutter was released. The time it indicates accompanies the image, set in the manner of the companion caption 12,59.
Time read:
8,58
